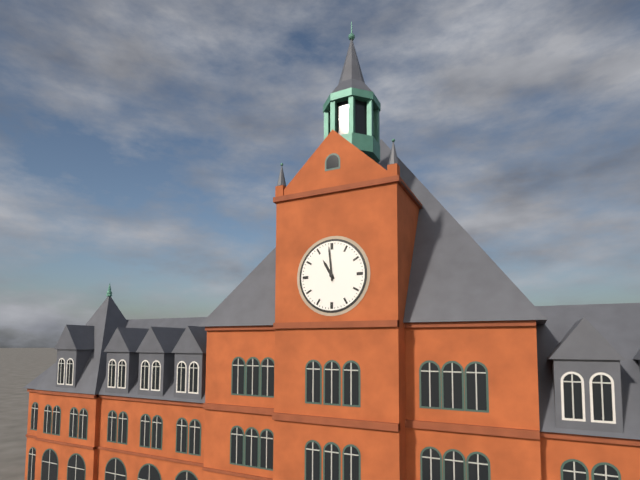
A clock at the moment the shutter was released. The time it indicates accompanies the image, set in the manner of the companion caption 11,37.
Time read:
10,59
